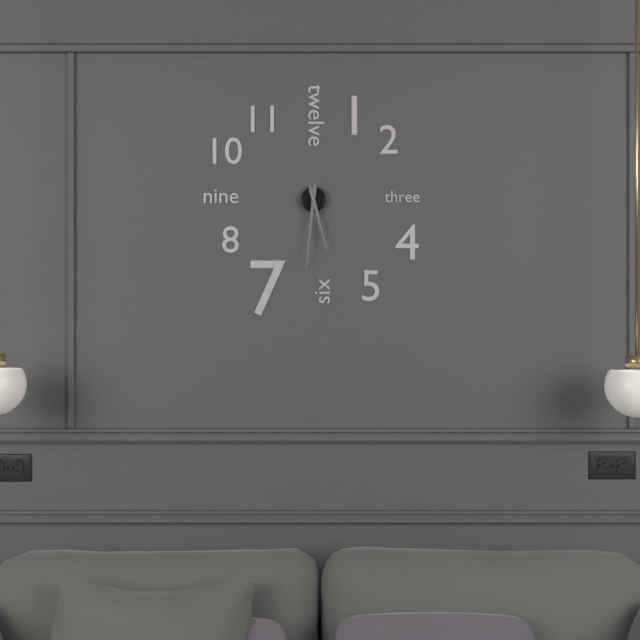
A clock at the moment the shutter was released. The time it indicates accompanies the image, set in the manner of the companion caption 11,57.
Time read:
5,31
